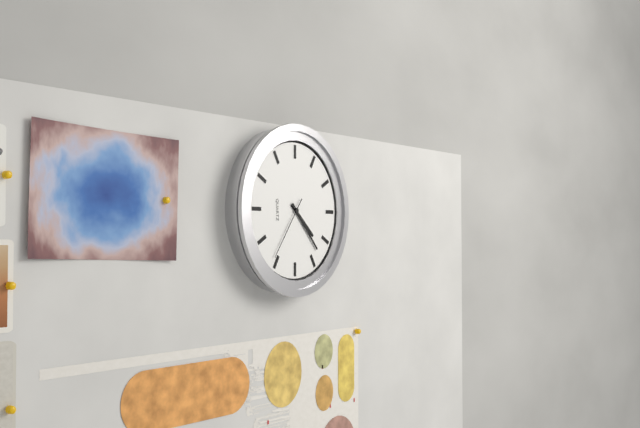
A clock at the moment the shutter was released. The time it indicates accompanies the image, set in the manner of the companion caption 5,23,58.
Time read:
4,23,36
